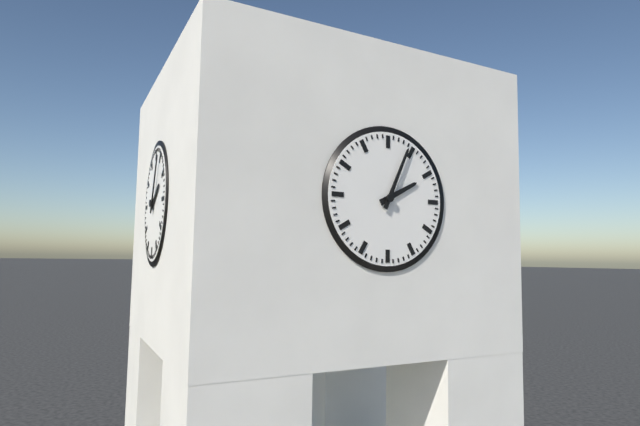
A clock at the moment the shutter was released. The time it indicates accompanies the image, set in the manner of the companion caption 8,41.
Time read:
2,04
